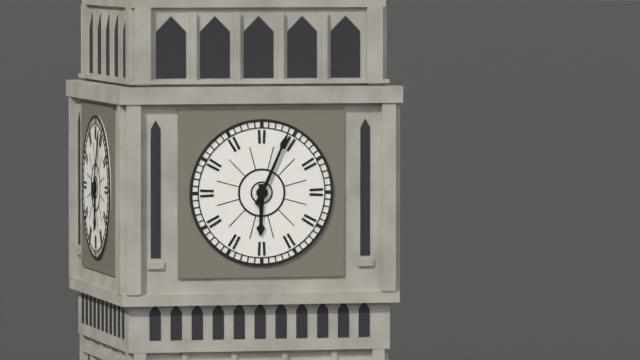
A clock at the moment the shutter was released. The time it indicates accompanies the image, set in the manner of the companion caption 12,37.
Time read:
6,04
